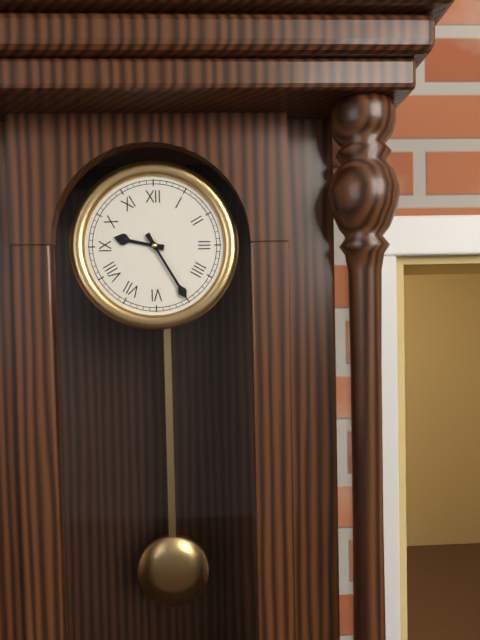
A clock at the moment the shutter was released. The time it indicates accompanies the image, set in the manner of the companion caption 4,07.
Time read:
9,25
